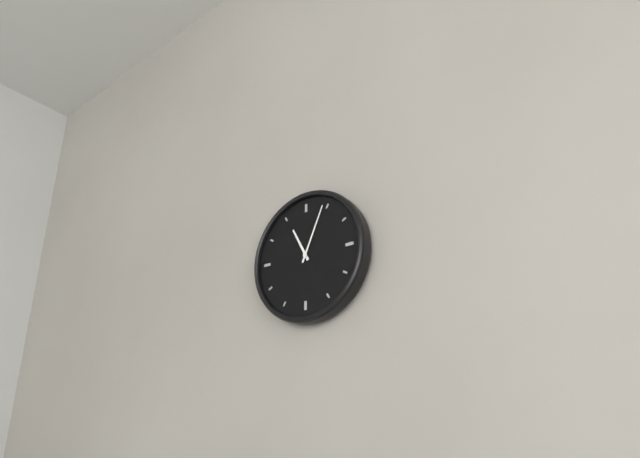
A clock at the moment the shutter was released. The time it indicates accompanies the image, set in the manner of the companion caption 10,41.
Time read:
11,04
